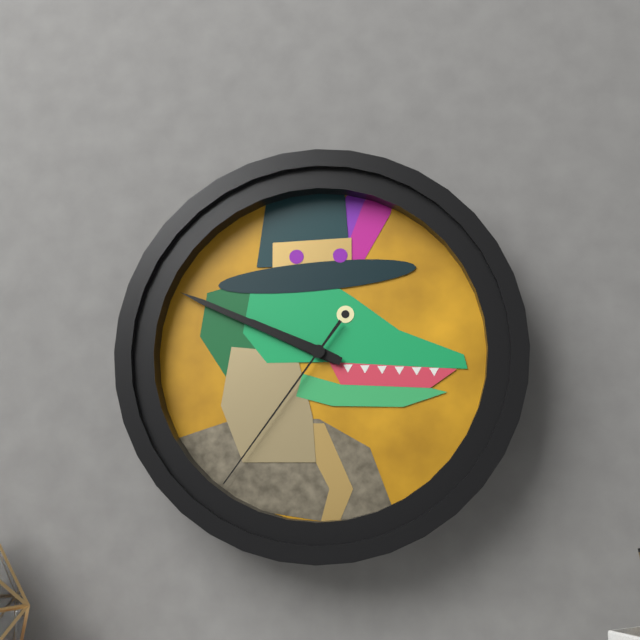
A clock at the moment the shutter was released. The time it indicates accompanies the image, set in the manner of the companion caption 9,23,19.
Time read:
9,49,36
